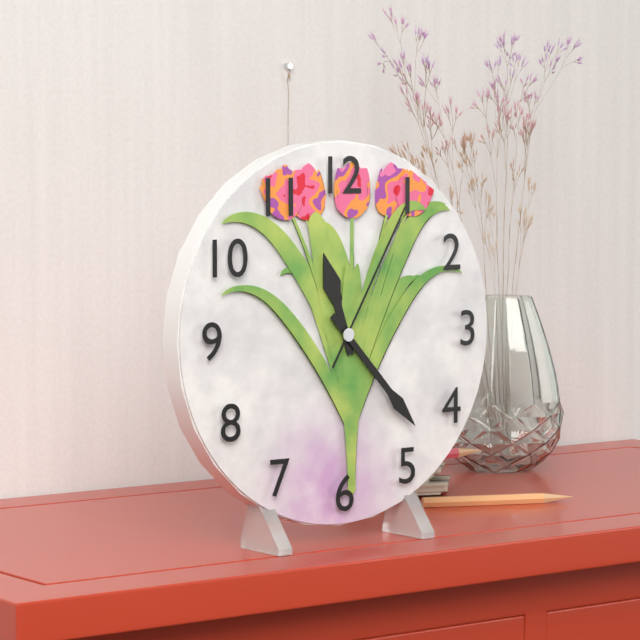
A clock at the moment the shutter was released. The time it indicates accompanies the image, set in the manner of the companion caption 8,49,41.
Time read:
11,23,05
